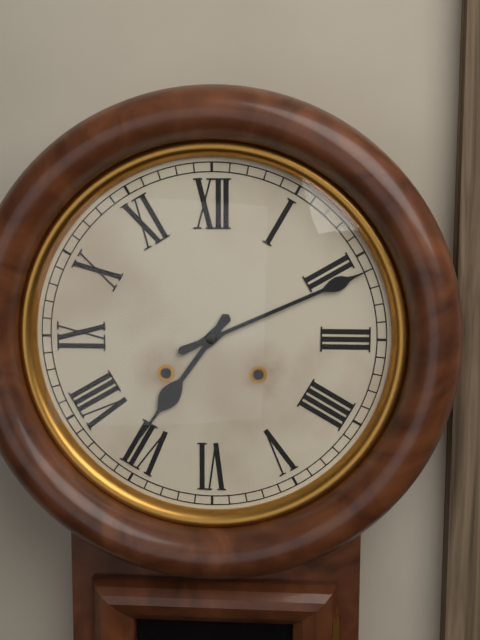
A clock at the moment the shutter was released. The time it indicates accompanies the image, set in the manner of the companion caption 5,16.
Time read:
7,11
